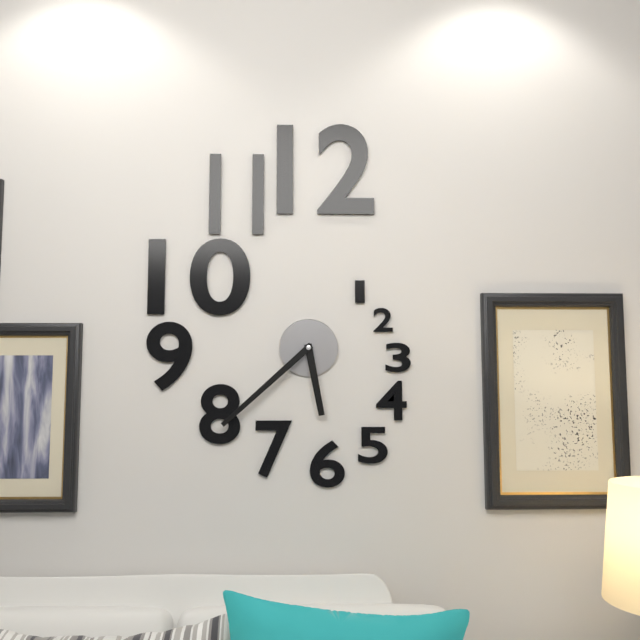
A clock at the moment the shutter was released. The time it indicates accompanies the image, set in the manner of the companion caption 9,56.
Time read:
5,38
